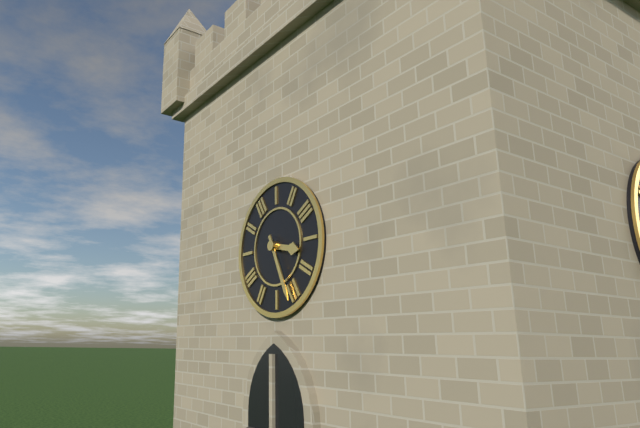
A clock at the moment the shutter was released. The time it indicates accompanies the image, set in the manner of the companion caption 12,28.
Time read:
3,26
